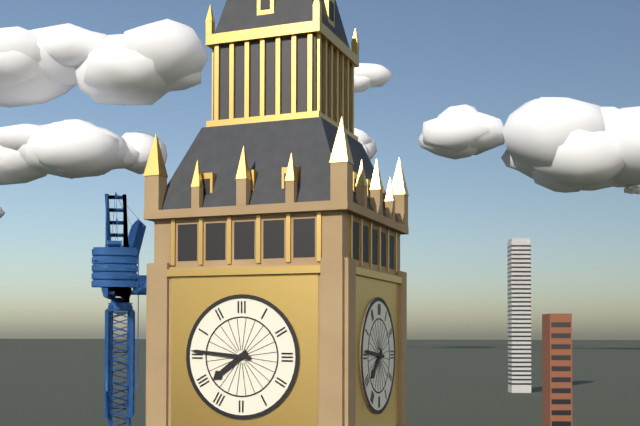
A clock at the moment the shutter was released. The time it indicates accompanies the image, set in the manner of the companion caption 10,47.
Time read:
7,46
